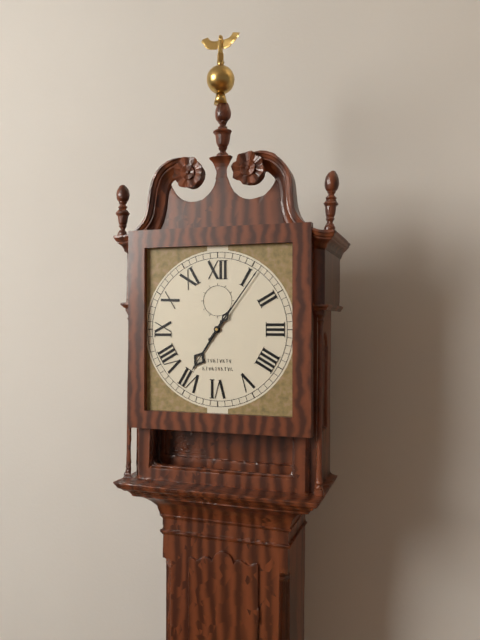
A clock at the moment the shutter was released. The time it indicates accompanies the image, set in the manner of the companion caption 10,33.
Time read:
7,06
